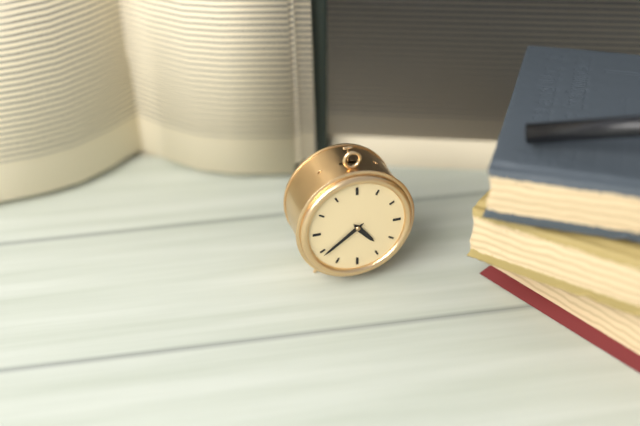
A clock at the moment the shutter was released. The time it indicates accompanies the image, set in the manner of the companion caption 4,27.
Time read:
4,39
